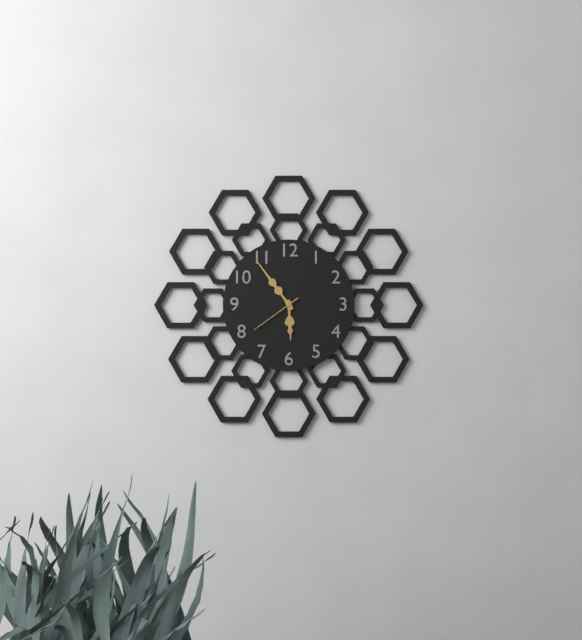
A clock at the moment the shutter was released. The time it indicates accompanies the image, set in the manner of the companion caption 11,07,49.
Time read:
5,54,39
